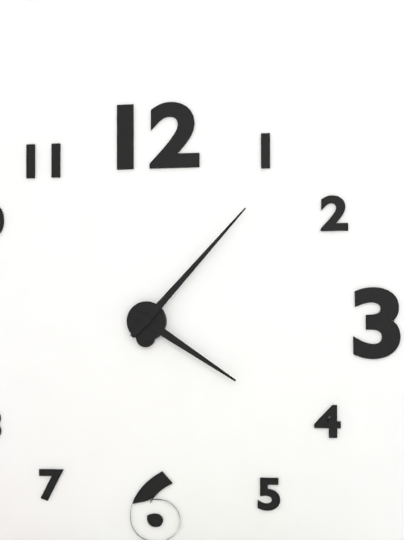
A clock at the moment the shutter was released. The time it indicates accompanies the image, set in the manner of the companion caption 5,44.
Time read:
4,07
